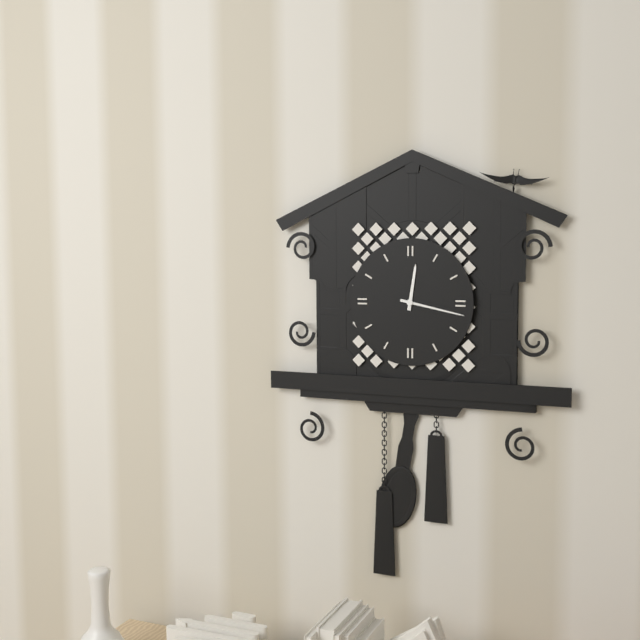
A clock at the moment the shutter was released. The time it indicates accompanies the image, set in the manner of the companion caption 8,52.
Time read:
12,17
